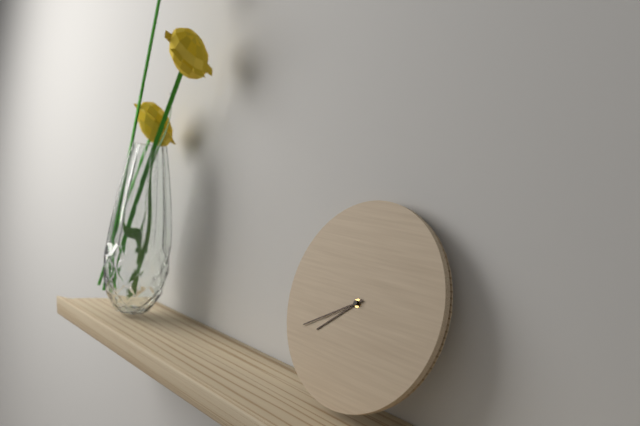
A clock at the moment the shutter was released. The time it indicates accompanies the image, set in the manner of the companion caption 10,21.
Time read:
7,40
